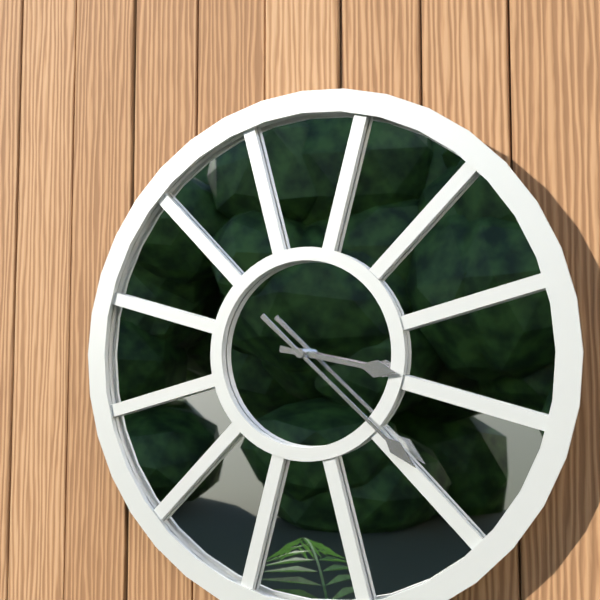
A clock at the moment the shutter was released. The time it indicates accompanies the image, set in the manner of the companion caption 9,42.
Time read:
3,22
